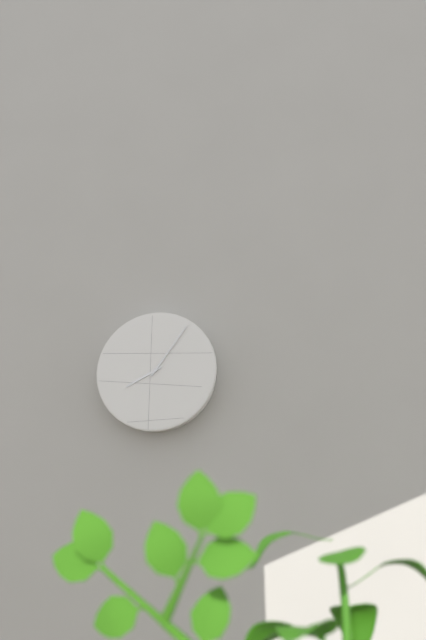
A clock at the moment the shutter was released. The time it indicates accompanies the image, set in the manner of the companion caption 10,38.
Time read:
8,06
